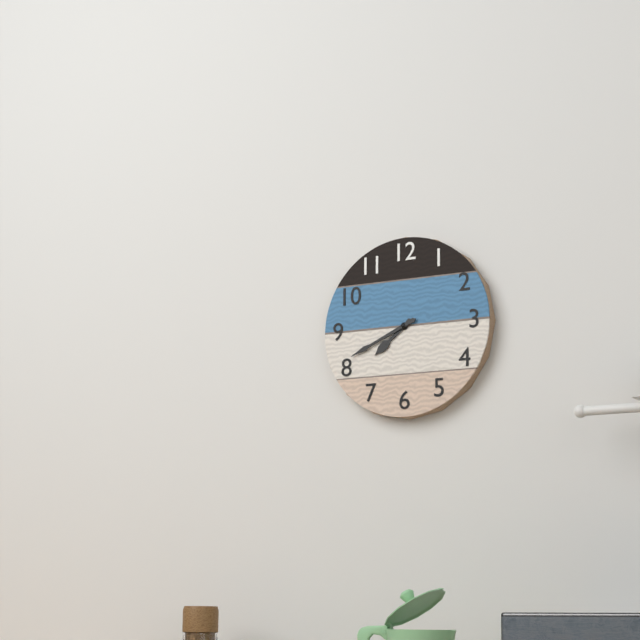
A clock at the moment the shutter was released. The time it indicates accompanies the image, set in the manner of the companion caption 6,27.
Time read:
7,41
